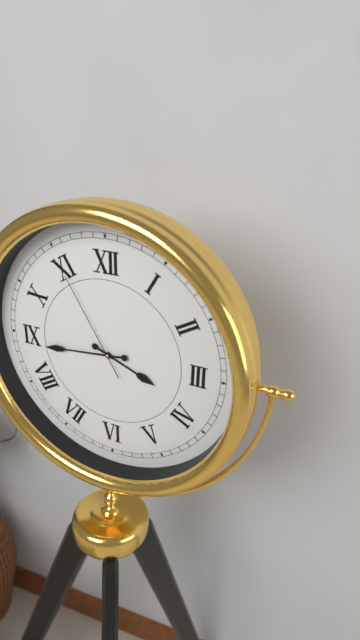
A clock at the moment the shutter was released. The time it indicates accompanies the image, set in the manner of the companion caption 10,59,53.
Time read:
3,44,55
